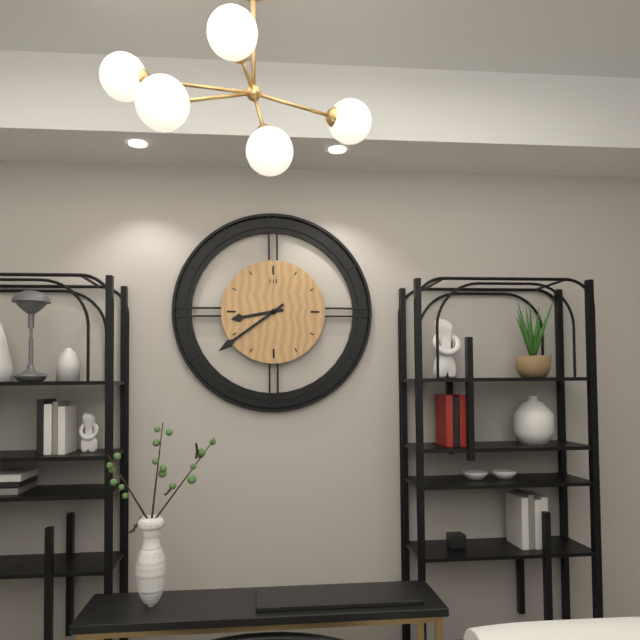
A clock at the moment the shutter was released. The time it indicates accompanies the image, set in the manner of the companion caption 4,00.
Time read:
8,39
